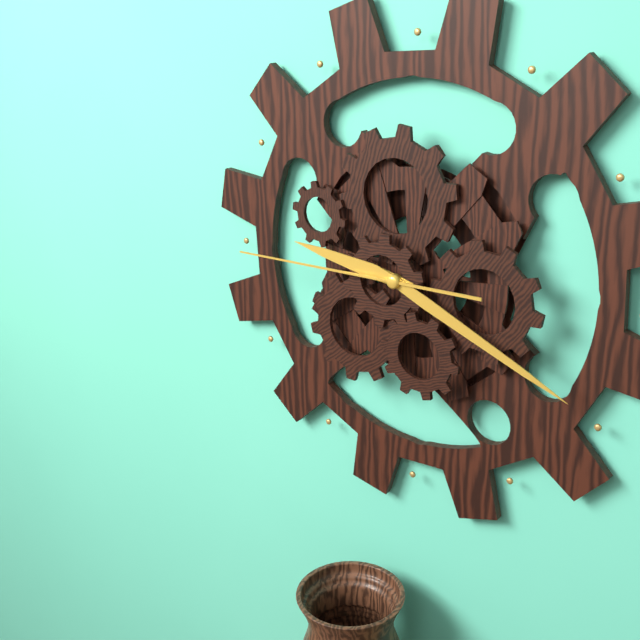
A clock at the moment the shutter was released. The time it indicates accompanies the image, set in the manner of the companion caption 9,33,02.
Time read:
9,19,45
